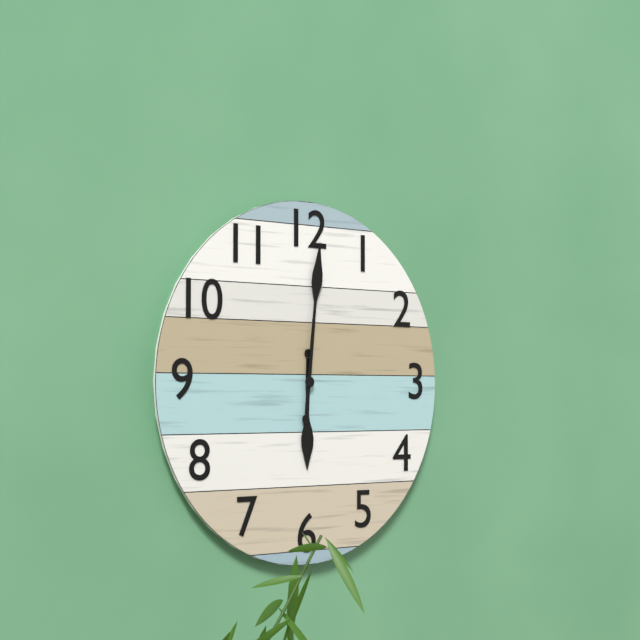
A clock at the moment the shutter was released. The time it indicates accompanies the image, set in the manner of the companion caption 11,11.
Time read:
6,01
